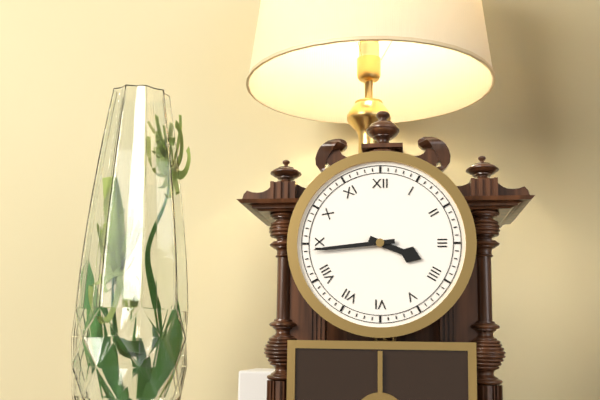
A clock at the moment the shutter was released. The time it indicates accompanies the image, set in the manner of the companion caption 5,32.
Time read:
3,44
